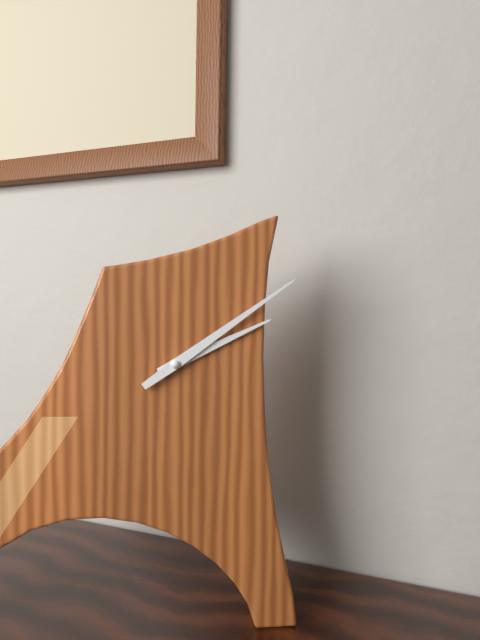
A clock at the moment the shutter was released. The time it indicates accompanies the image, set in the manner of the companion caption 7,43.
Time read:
2,09
